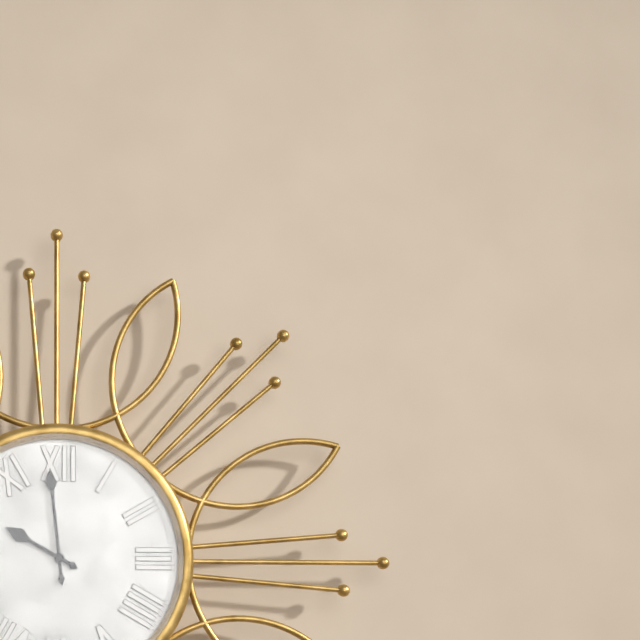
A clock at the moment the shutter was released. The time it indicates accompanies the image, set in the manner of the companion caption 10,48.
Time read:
9,59
